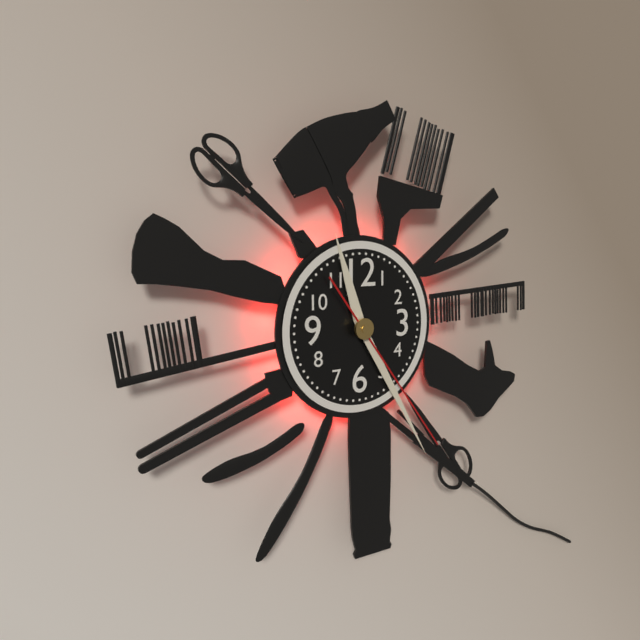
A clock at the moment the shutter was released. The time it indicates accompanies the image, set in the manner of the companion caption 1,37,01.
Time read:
11,25,24
